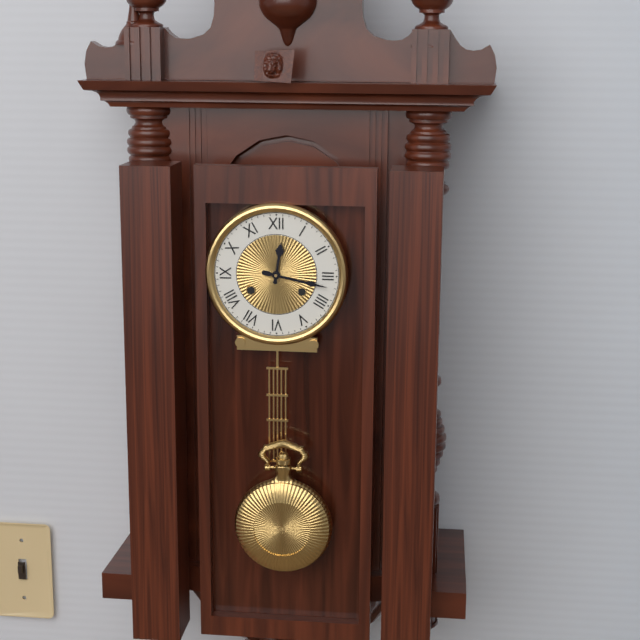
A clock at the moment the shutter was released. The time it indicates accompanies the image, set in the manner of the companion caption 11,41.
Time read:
12,17
